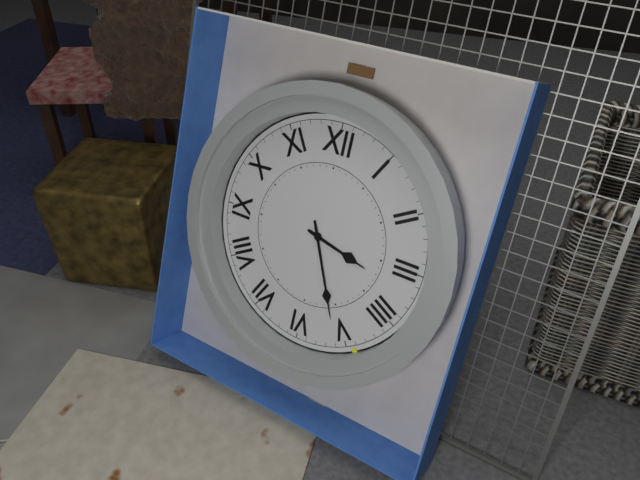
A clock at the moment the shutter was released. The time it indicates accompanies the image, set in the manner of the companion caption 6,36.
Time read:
3,26
